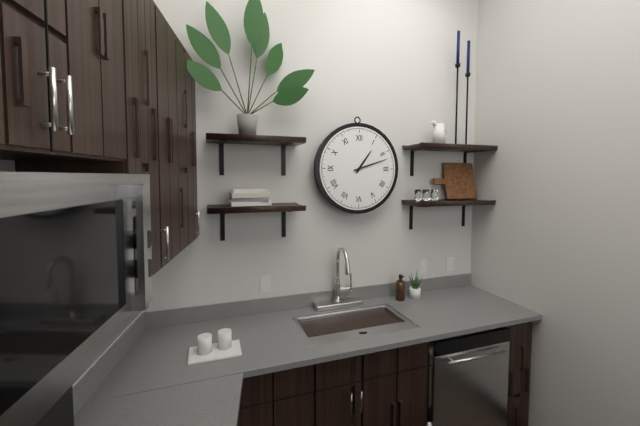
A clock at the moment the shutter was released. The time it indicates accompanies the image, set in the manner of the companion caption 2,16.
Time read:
1,12
